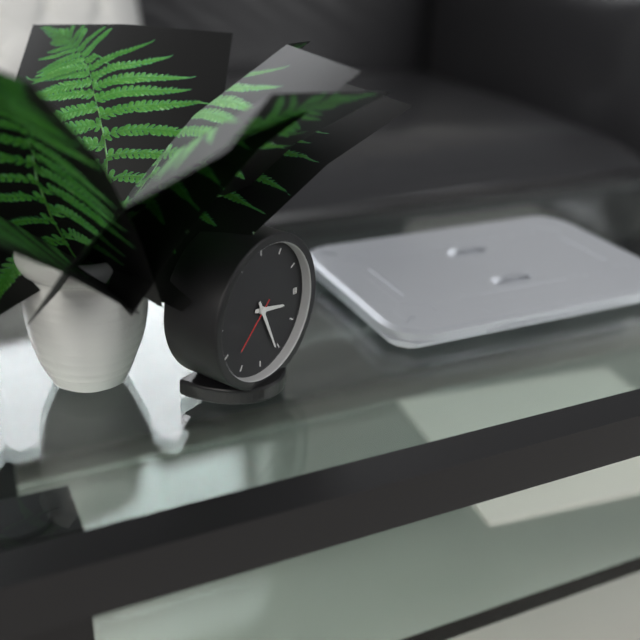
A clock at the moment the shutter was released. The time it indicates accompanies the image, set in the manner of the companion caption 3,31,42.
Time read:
3,26,38
